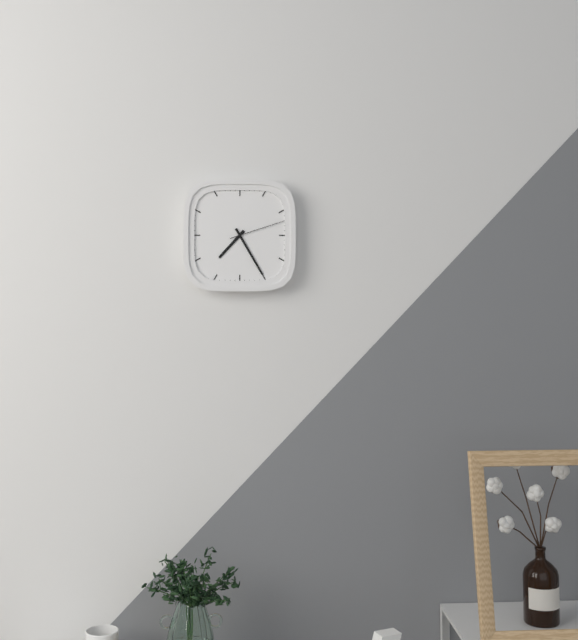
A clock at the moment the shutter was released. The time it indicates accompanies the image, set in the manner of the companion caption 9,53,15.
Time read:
7,25,12
